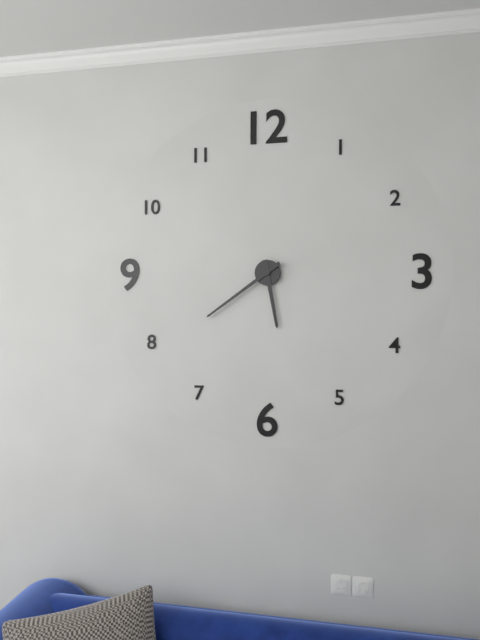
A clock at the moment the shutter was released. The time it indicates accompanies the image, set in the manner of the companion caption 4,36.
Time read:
5,39
